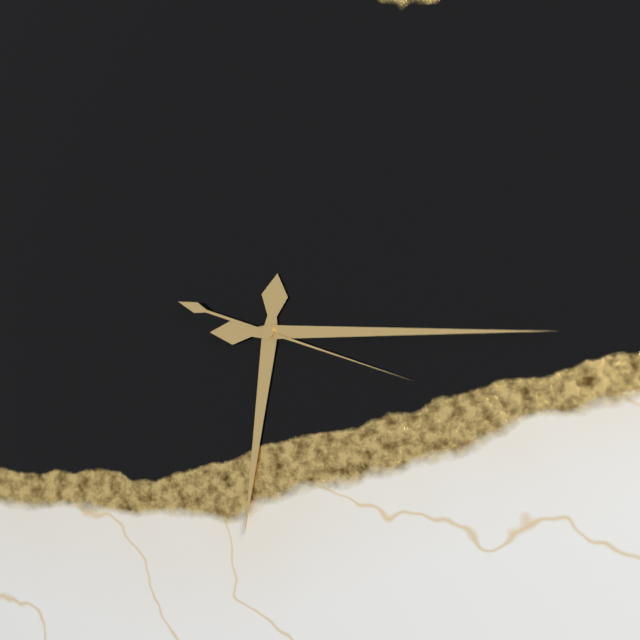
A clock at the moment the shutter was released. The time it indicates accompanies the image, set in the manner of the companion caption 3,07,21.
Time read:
6,15,18
